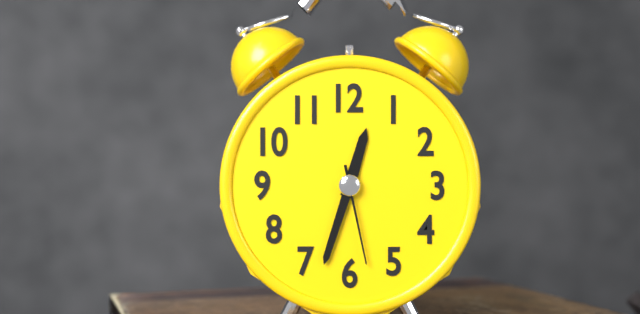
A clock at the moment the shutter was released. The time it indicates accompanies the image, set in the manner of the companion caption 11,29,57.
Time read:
12,33,28
